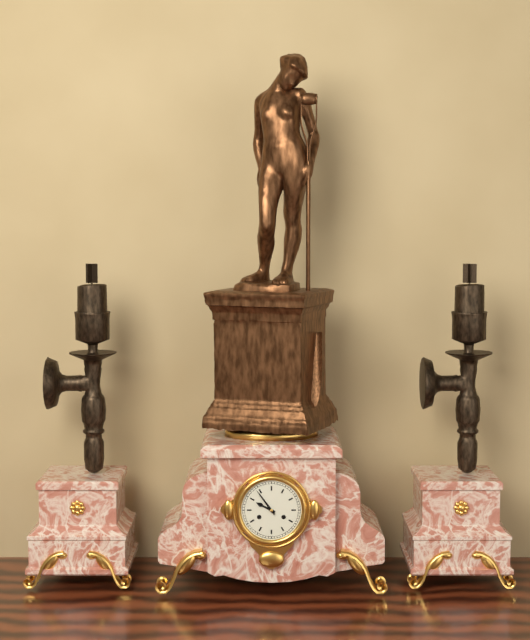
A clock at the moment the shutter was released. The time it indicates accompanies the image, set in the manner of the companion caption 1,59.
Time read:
9,54
